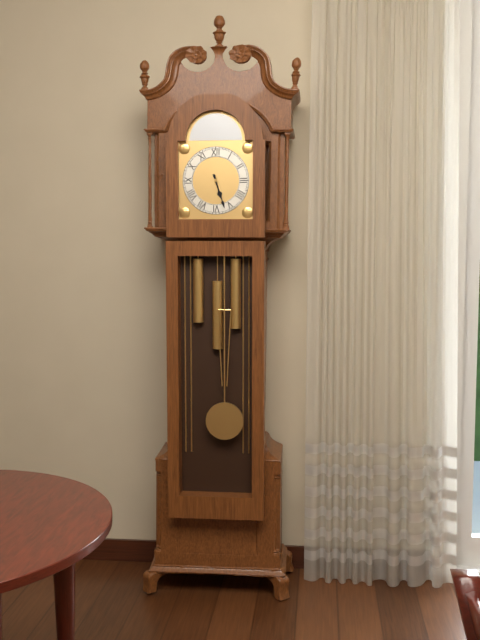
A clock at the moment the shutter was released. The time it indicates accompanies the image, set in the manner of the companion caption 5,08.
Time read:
5,27
